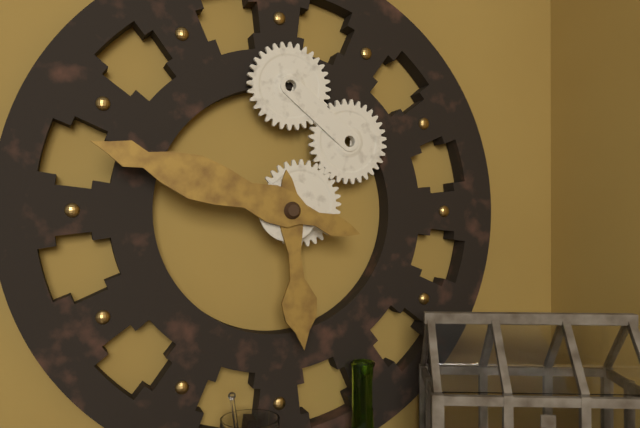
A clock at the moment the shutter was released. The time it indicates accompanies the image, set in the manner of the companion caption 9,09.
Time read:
5,48
